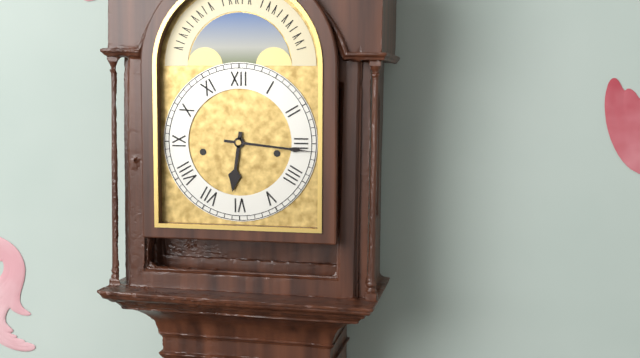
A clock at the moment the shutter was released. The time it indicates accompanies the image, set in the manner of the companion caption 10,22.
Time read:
6,16
